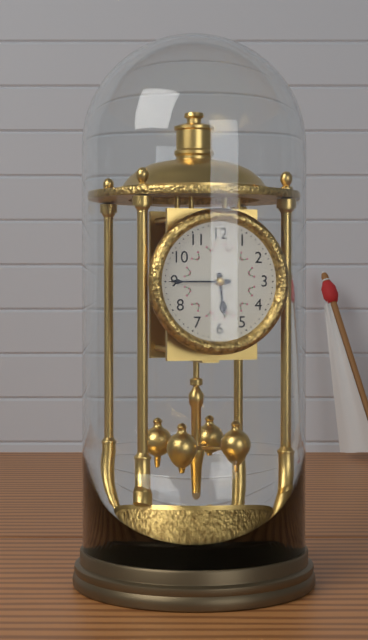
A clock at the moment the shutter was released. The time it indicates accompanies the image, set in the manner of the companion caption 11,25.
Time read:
5,45
